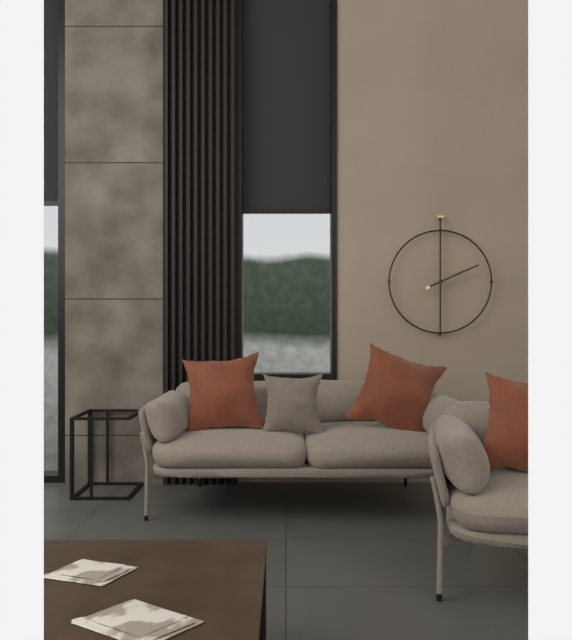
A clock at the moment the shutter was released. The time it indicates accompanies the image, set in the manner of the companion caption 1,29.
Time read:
2,11
